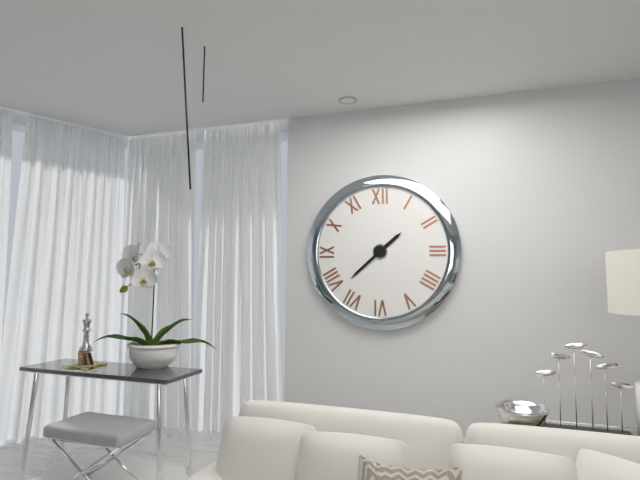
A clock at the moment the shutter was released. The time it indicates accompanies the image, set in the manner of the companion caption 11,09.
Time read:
1,38
